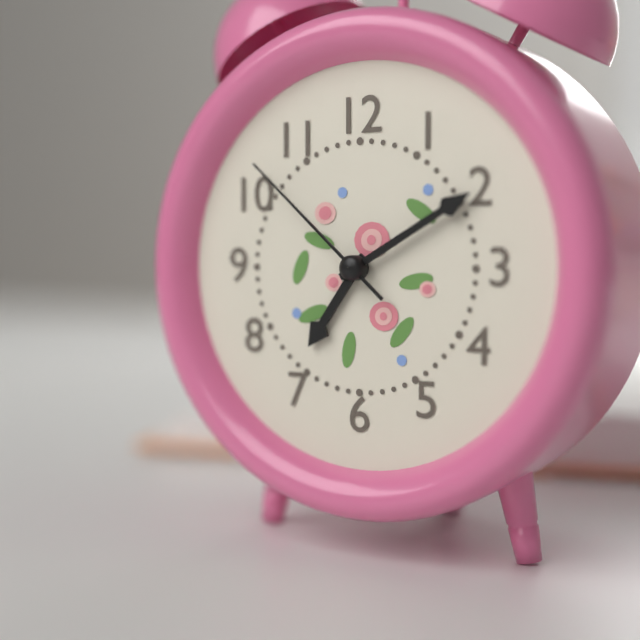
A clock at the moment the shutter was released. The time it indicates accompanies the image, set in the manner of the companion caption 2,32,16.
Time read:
7,10,52
